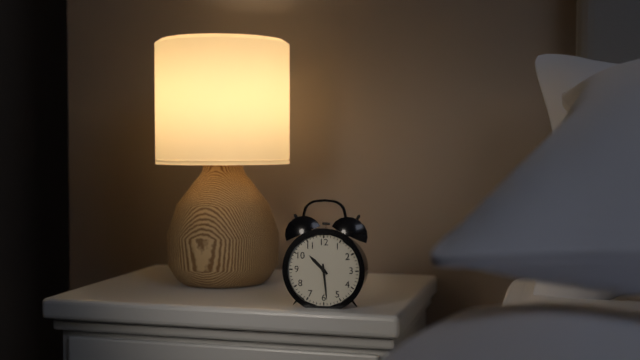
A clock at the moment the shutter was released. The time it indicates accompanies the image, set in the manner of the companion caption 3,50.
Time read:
10,29
